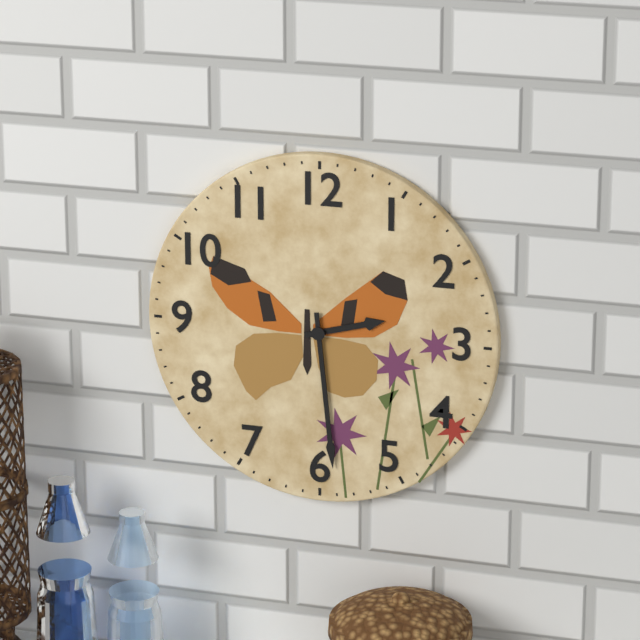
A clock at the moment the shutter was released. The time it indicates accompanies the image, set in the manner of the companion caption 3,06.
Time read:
2,29
